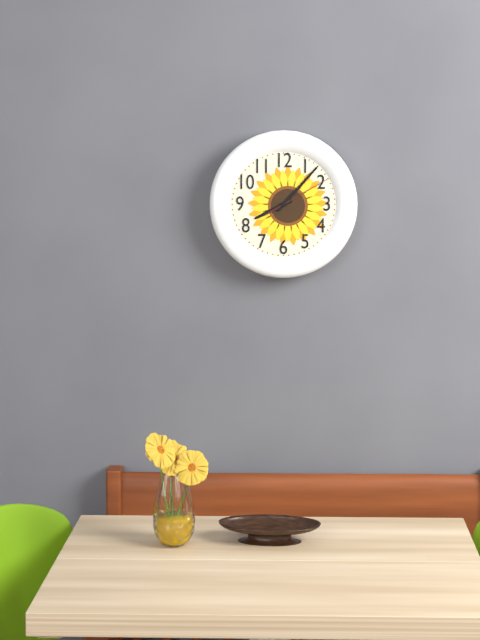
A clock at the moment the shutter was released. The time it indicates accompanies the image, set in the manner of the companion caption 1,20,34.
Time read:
8,07,10
